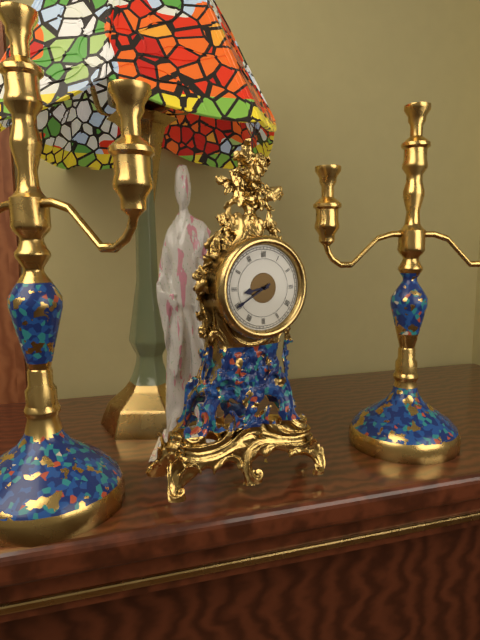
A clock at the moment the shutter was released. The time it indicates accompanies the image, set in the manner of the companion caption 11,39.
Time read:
8,40
